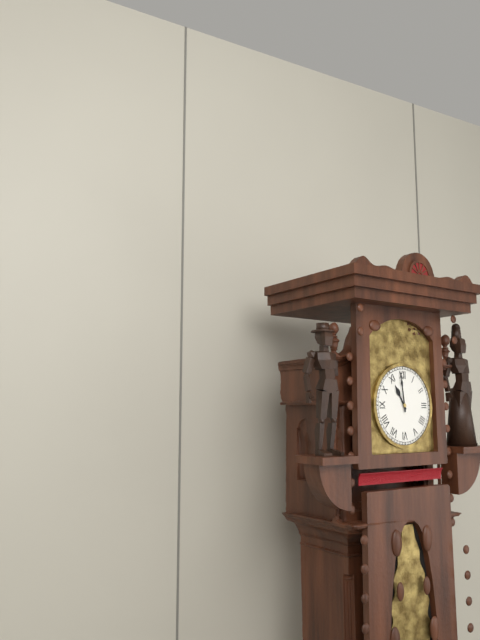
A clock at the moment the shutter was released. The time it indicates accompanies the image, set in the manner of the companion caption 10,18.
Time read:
10,59
